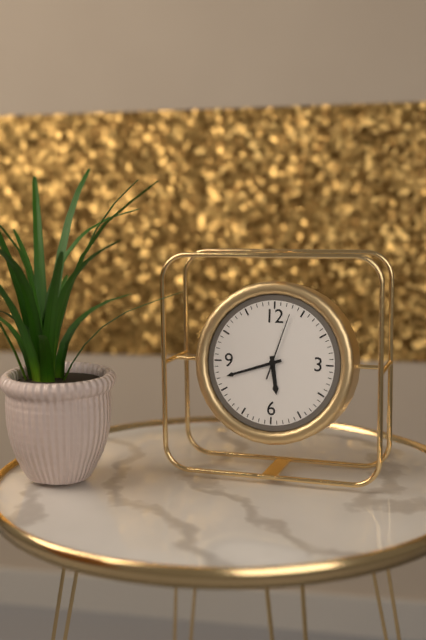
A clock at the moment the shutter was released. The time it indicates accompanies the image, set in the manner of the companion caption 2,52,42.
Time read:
5,42,03
